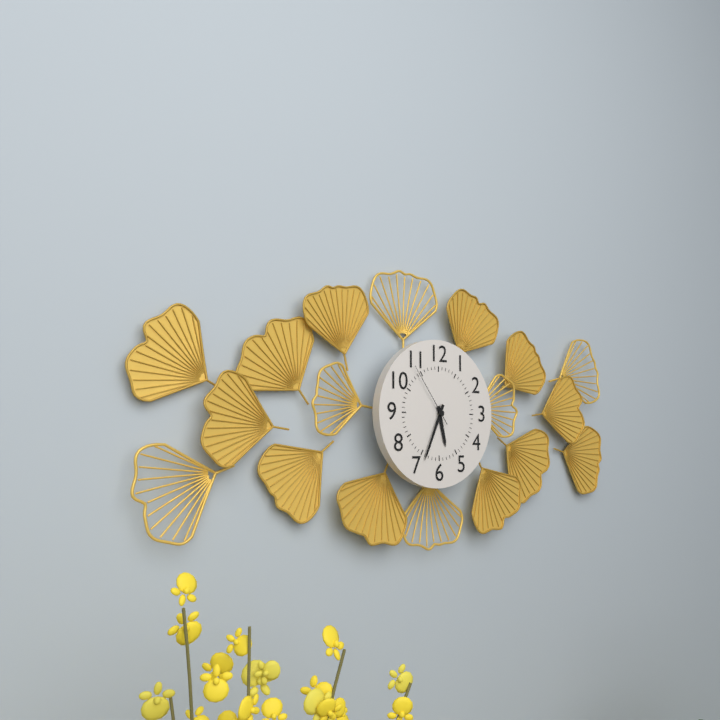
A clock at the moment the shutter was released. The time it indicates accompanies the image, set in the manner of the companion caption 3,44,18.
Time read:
5,34,54
